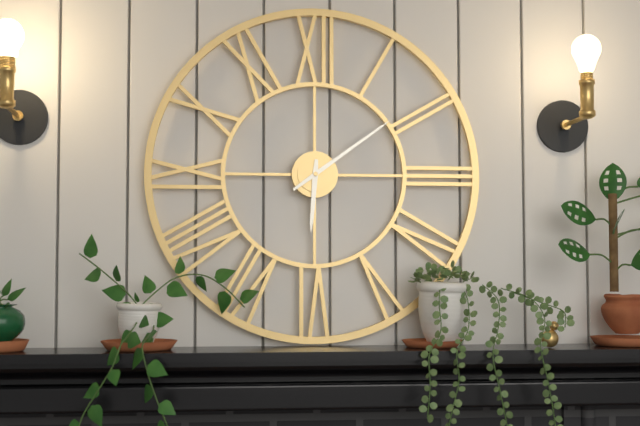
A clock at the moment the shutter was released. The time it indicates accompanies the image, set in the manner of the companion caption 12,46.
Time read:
6,09
